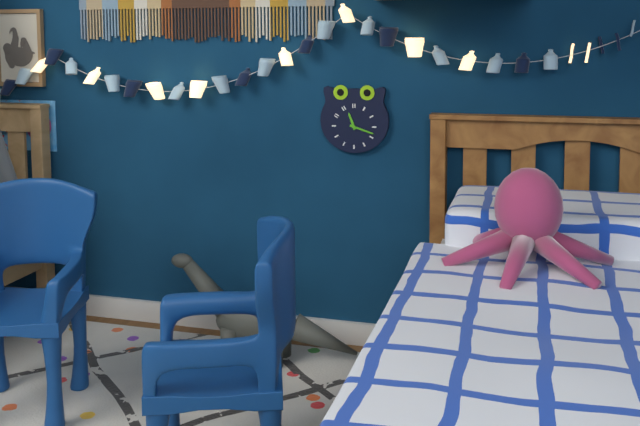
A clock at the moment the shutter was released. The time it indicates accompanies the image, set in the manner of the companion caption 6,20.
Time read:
11,18
